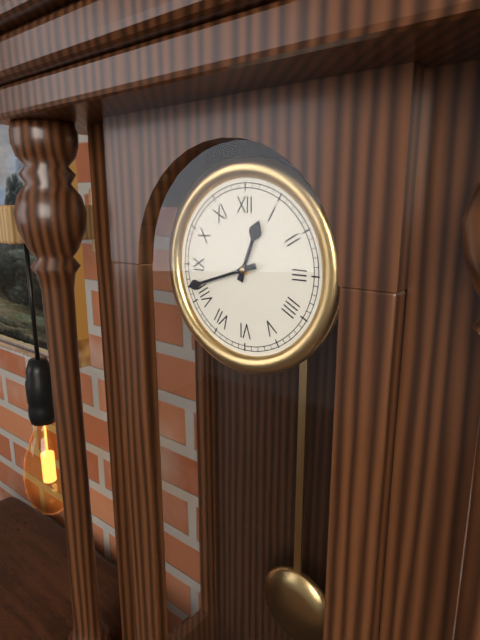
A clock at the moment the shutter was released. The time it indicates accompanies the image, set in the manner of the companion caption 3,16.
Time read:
12,42
